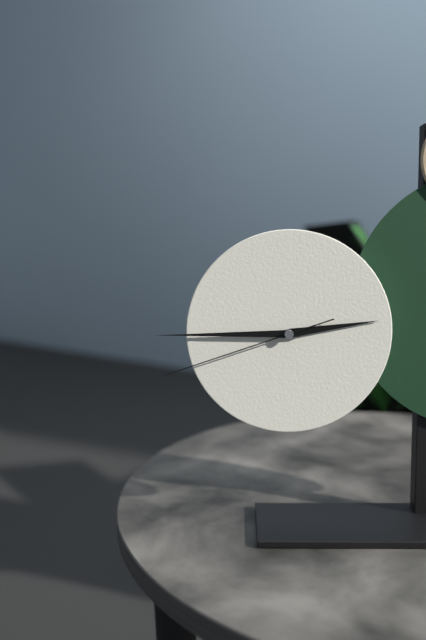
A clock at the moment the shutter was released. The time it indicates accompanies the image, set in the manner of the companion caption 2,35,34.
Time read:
2,45,42
